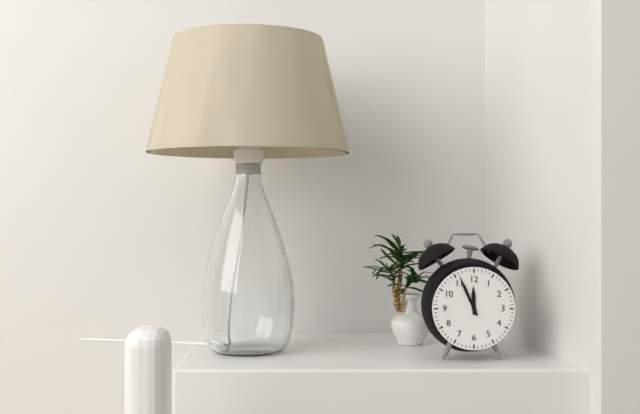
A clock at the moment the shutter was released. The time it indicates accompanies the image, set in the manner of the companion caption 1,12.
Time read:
11,56
